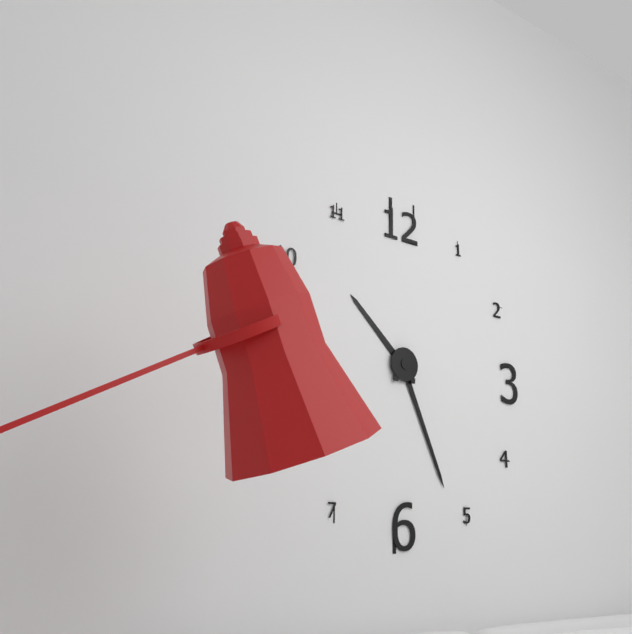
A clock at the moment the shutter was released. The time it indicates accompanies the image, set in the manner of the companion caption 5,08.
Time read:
10,26
